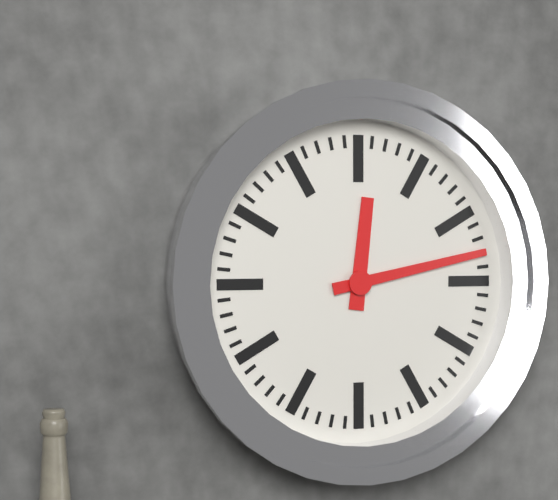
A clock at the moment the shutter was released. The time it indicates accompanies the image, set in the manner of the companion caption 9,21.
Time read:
12,13
